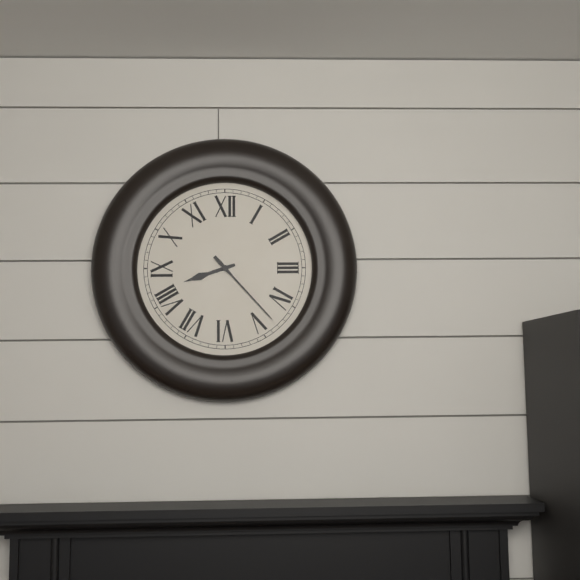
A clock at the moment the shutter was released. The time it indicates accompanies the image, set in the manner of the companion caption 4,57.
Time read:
8,23
